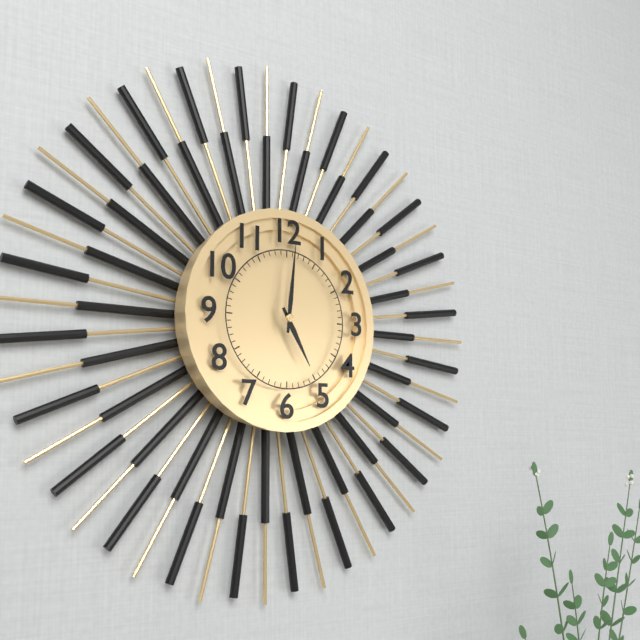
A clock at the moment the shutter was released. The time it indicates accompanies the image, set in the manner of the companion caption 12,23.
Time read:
5,01
